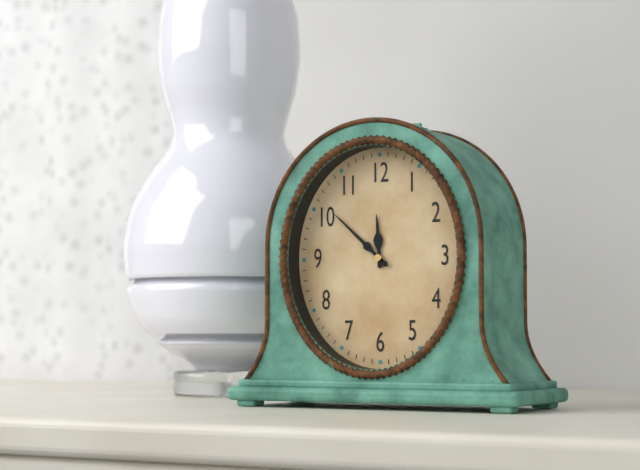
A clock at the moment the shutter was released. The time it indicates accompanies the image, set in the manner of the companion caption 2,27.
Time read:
11,52
